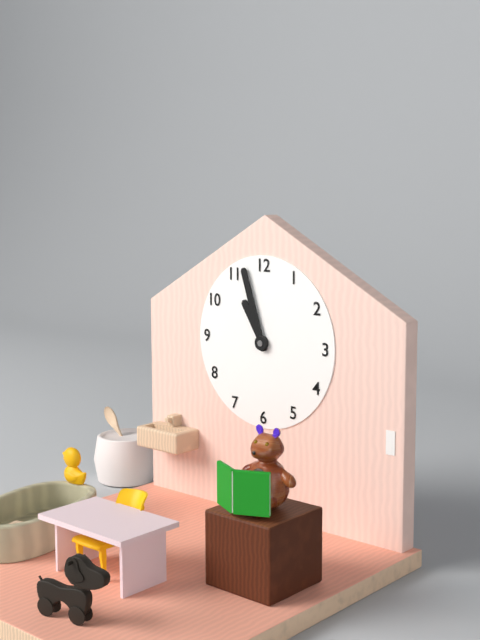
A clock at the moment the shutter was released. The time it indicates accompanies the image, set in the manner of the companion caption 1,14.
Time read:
10,57
